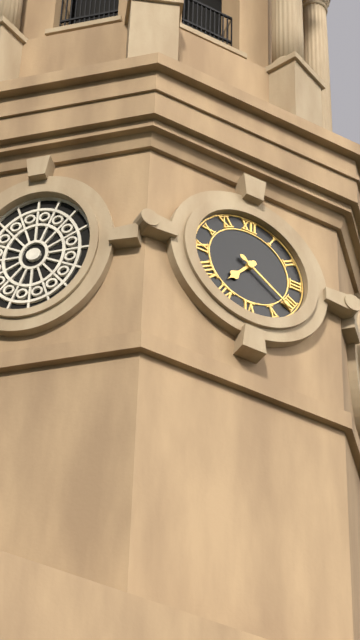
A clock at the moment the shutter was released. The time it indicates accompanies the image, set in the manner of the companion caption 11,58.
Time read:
7,21
